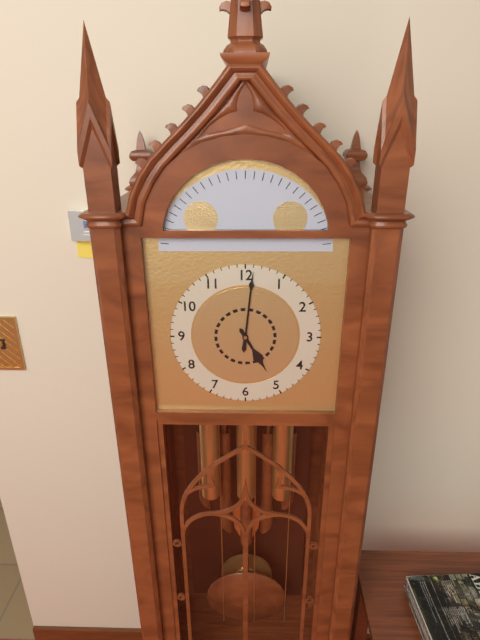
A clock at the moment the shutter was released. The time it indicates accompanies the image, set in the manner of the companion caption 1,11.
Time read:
5,01
